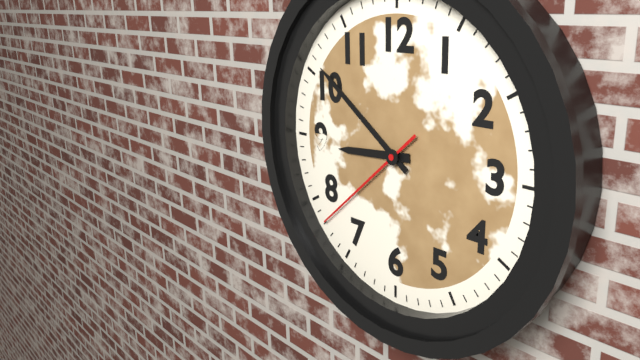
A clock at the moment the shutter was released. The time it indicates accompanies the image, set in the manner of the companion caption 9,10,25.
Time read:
8,51,38
